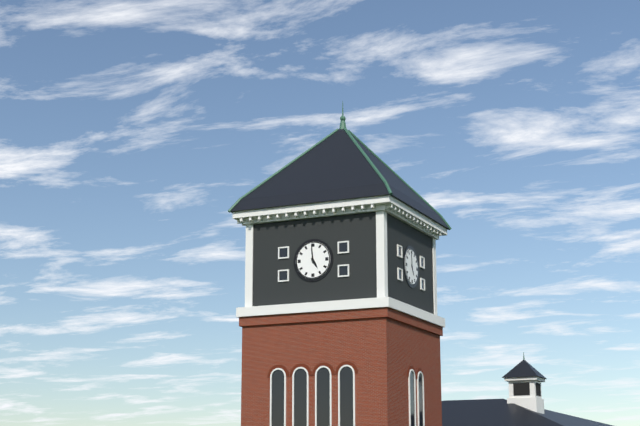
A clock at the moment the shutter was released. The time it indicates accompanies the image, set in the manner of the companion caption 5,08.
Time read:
4,59
